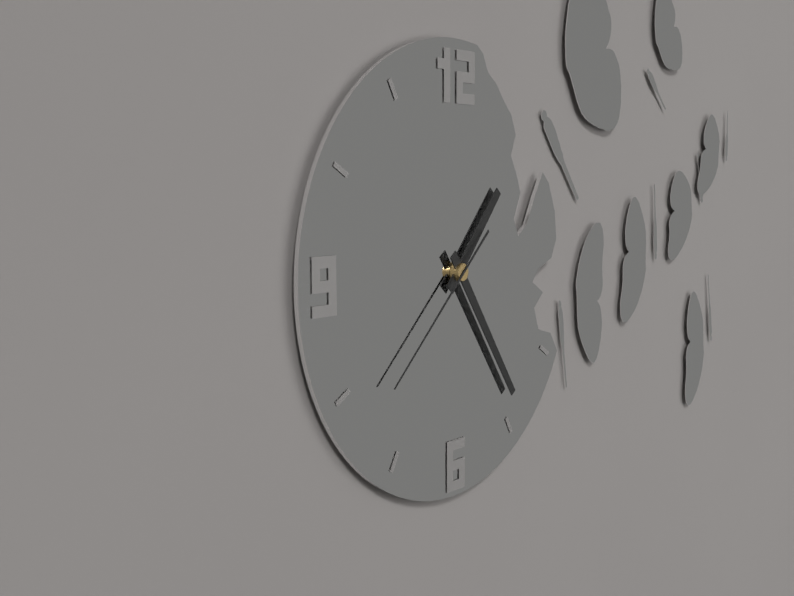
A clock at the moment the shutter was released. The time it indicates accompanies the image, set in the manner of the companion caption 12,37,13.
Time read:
1,24,38
